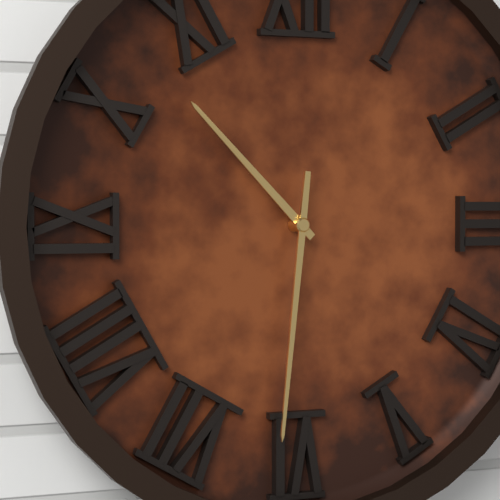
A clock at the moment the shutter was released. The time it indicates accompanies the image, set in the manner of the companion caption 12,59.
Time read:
10,31
